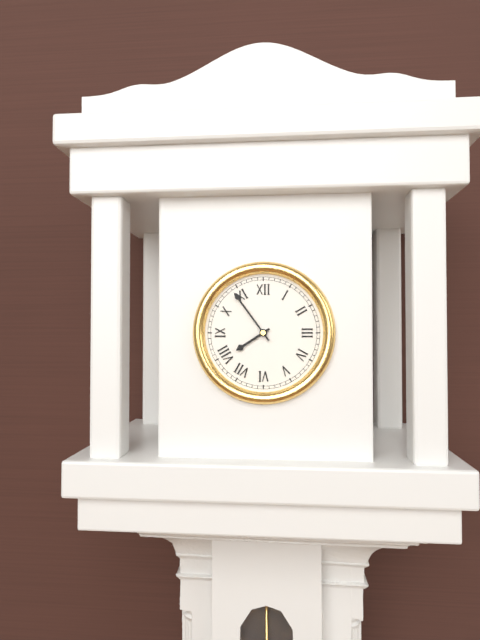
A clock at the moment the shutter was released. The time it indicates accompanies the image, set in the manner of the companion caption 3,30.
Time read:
7,54
